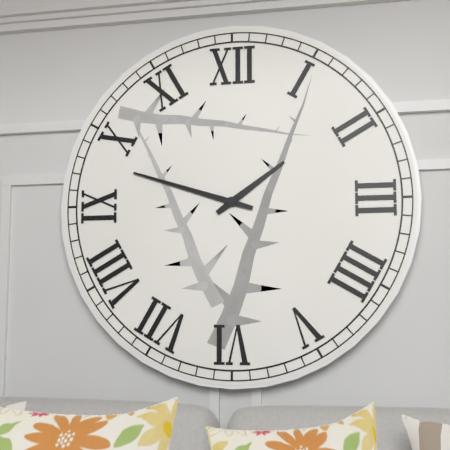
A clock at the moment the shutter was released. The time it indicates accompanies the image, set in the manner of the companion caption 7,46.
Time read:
1,48
